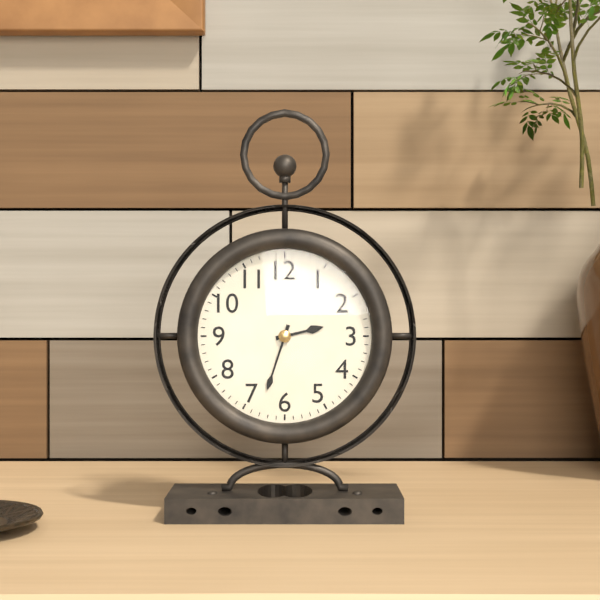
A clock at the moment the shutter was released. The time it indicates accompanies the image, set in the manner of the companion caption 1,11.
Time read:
2,33
